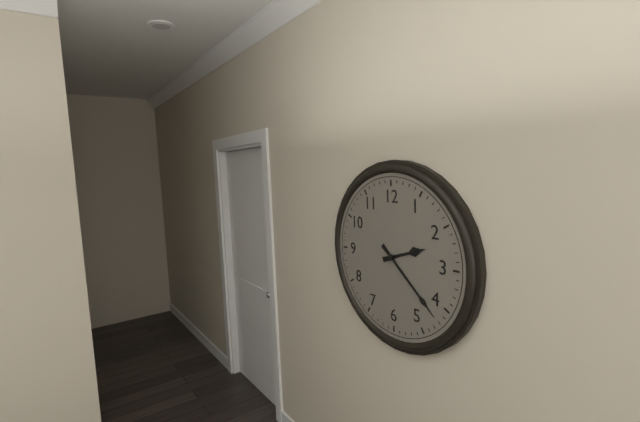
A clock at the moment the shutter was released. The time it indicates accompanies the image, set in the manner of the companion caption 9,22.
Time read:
2,22
